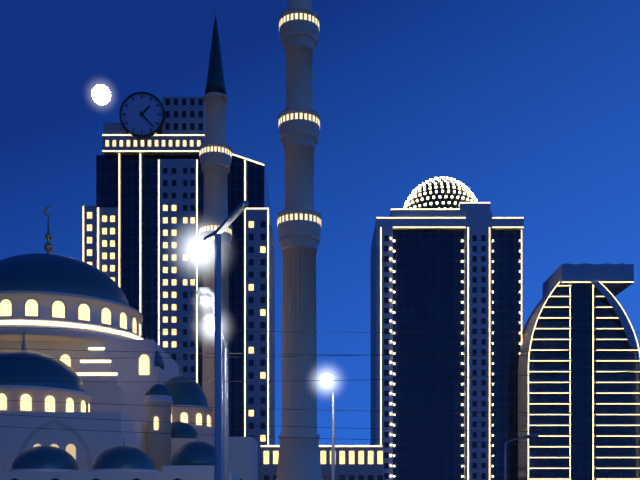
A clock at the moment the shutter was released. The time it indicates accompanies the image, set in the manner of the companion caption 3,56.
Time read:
1,23
